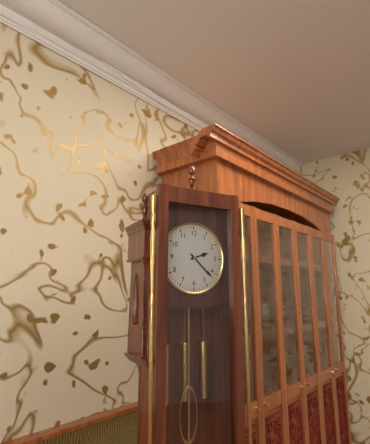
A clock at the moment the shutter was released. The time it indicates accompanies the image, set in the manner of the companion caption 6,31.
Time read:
2,22
